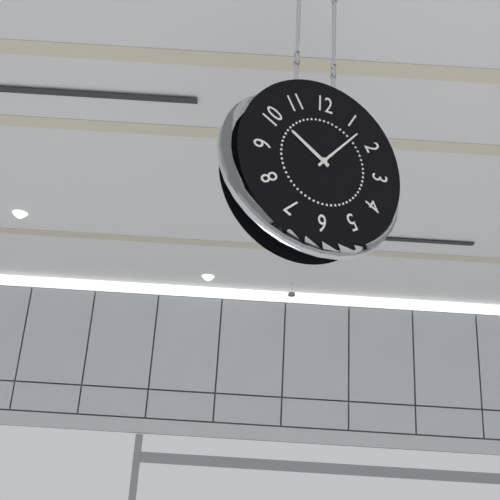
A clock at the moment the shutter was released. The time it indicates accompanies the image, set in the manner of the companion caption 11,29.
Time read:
10,07
